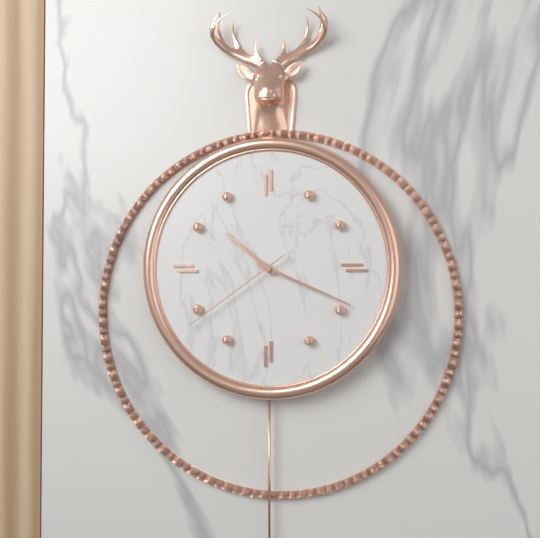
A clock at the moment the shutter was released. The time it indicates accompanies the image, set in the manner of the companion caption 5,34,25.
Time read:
10,19,39
